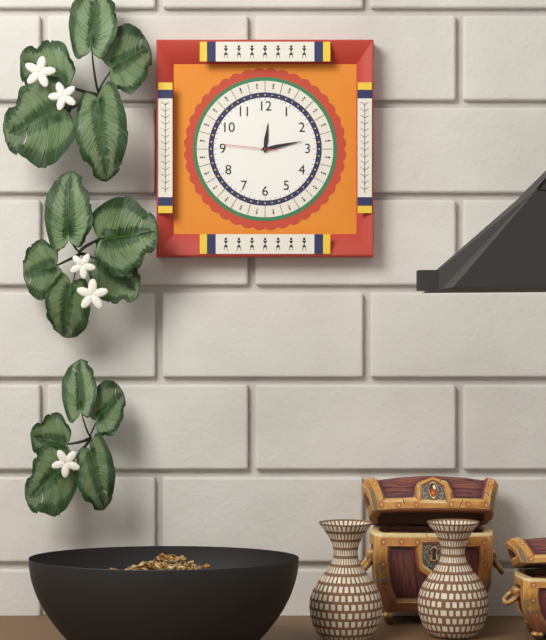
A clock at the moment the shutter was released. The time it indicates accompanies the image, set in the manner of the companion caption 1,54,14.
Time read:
12,13,46
